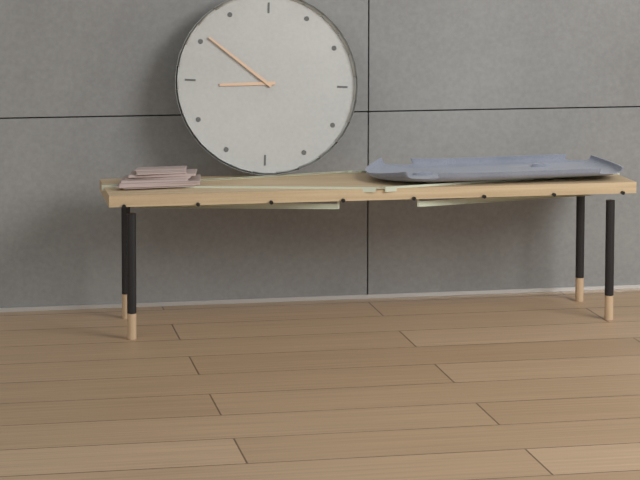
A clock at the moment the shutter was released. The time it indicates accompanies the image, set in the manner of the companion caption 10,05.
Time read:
8,51
